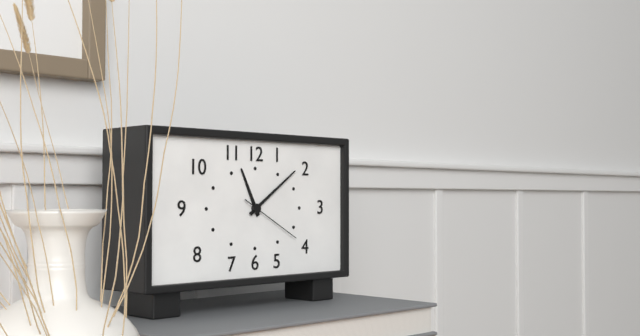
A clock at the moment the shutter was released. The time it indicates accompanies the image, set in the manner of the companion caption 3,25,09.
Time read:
11,09,20
